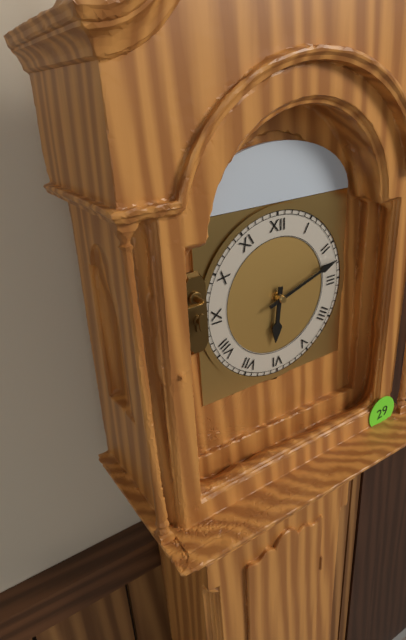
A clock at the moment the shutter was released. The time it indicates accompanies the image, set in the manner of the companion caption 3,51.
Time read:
6,12
